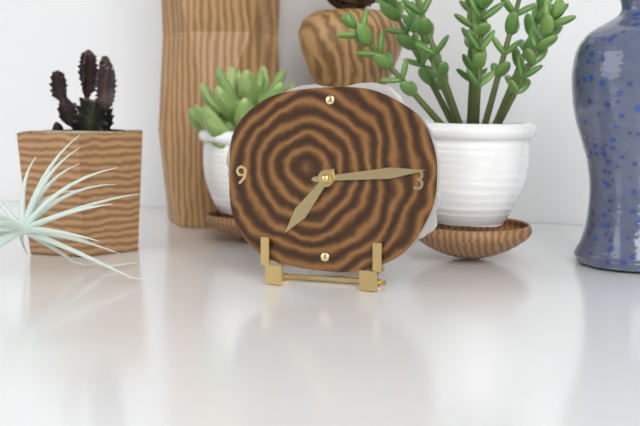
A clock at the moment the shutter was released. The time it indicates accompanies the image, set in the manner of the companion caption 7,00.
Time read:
7,14
